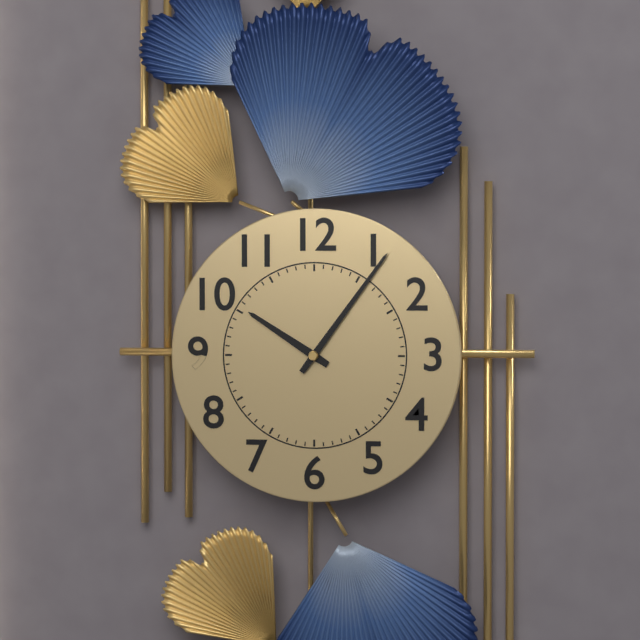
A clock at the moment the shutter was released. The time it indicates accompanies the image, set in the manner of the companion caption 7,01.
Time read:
10,06
